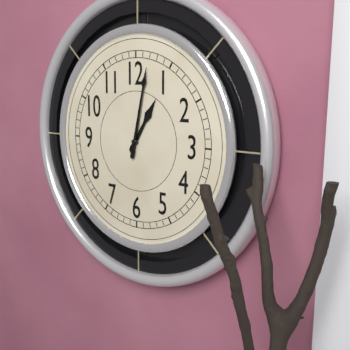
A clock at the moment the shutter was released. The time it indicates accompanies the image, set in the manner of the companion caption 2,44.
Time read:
1,02
